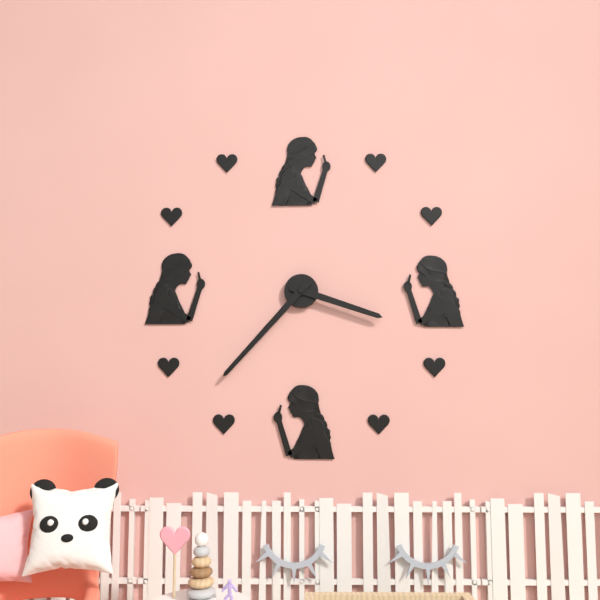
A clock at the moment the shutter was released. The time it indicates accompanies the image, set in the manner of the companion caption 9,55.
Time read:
3,37
